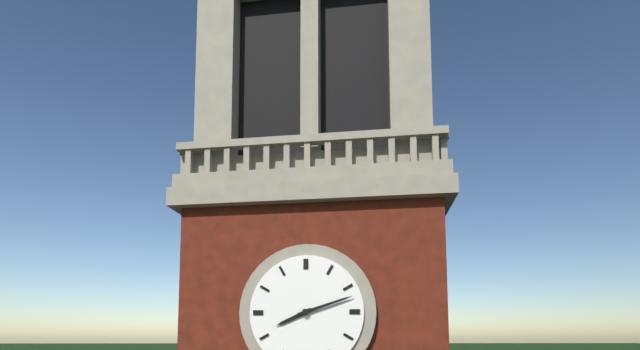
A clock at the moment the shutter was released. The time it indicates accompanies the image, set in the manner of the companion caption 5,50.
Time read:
8,12
